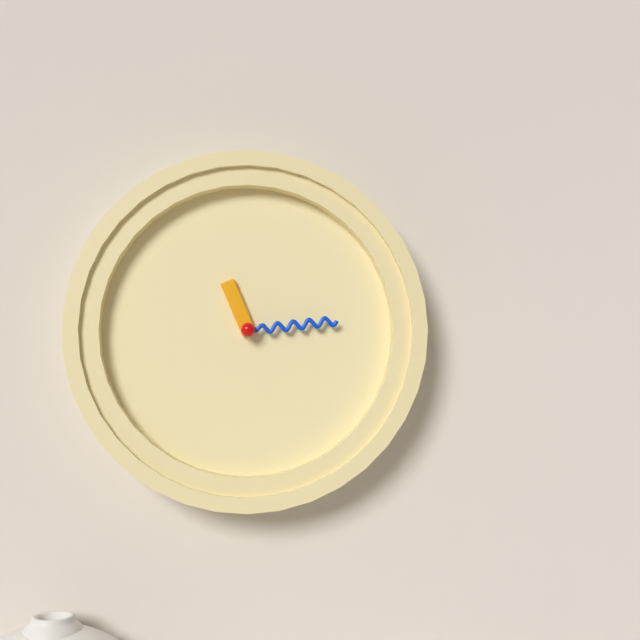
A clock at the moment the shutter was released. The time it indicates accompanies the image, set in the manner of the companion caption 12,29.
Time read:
11,14
